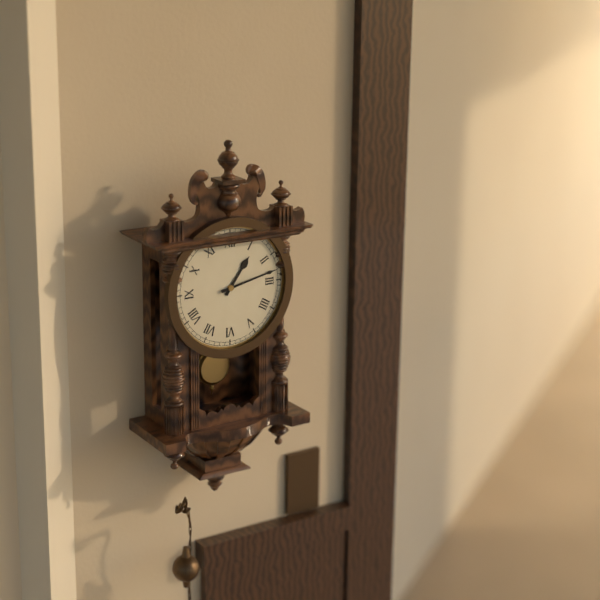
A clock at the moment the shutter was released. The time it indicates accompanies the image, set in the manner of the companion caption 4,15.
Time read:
1,13
